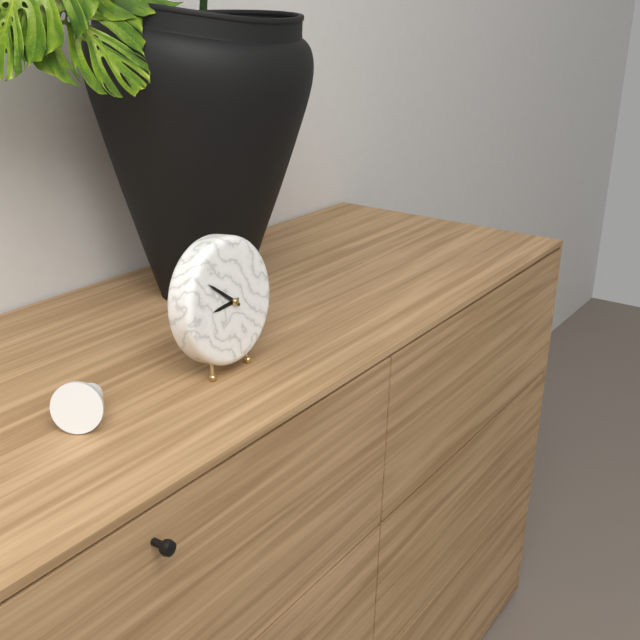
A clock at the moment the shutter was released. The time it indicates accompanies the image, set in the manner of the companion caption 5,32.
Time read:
8,51
